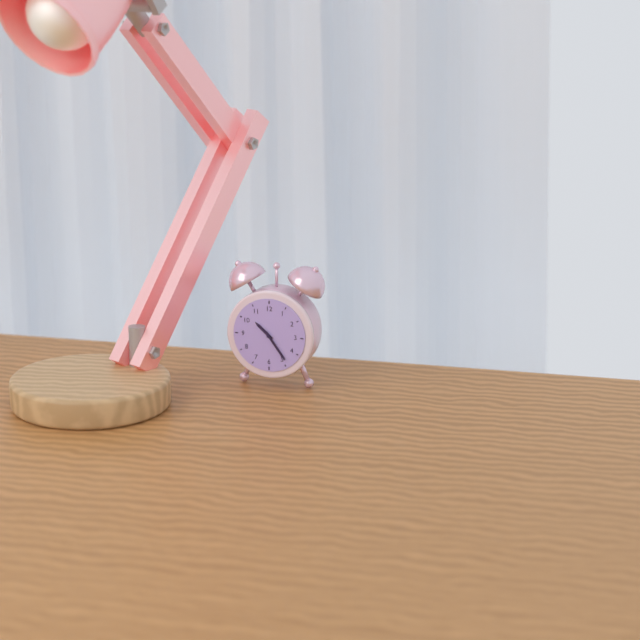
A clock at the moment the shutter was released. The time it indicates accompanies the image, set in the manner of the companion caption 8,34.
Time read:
10,24
